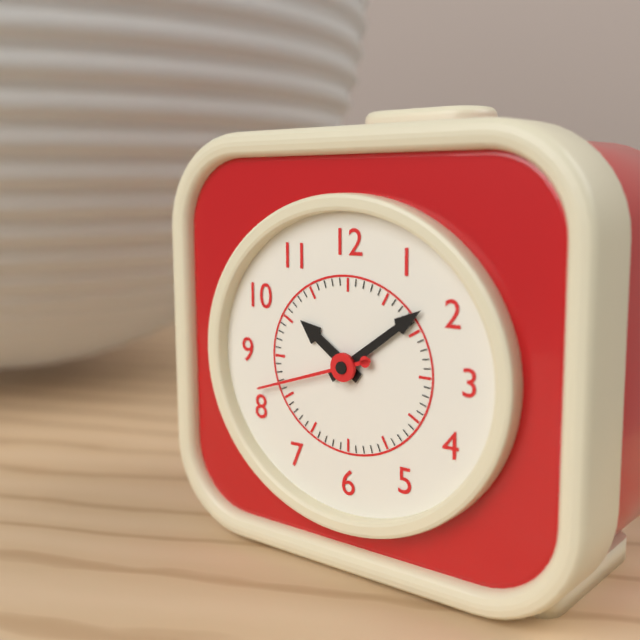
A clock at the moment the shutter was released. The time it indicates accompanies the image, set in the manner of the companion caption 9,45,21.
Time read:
10,09,42
